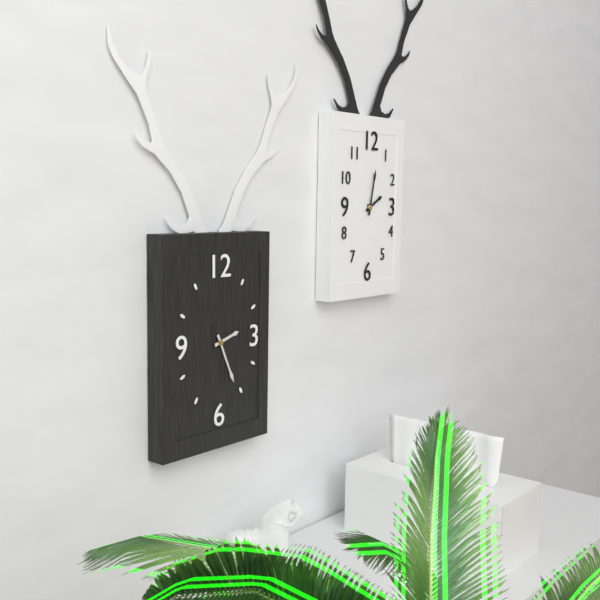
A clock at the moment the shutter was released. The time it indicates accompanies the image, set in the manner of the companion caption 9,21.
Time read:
2,26
